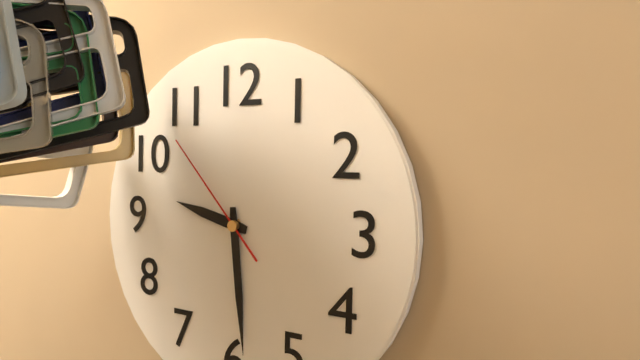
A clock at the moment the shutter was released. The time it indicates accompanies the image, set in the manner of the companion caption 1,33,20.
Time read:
9,29,53
